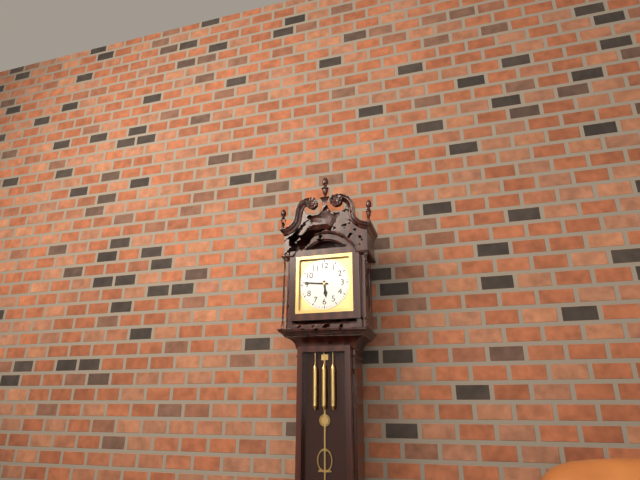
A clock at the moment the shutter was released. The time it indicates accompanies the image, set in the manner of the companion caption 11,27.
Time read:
5,46
